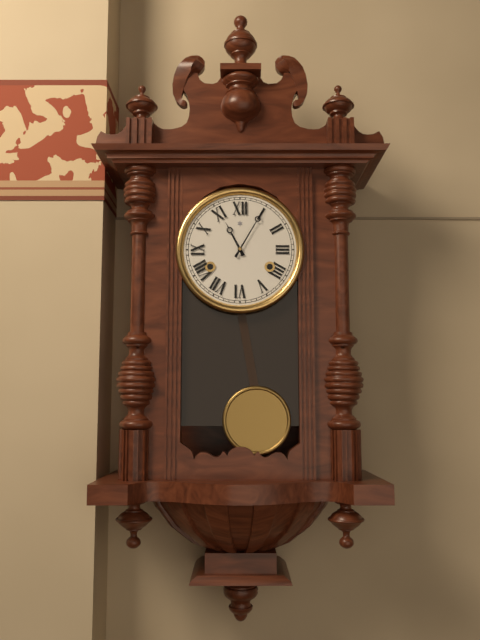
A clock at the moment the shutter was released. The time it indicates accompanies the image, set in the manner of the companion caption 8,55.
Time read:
11,05
